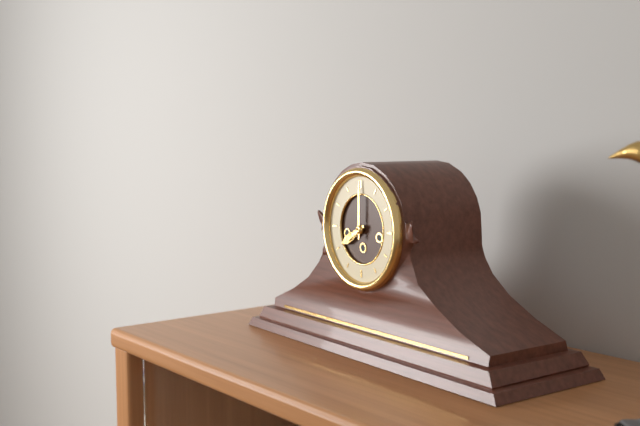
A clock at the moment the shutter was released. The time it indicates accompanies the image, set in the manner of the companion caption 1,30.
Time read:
8,00
